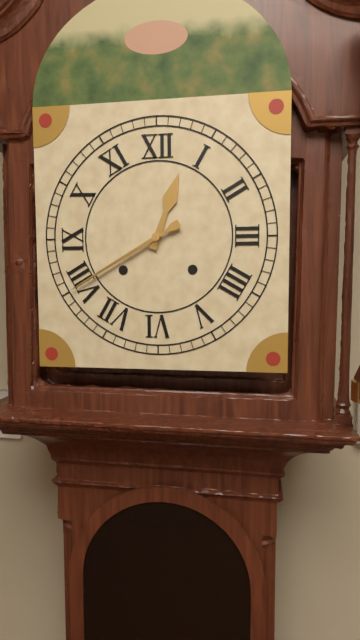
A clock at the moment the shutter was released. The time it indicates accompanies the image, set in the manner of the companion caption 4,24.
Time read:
12,40
